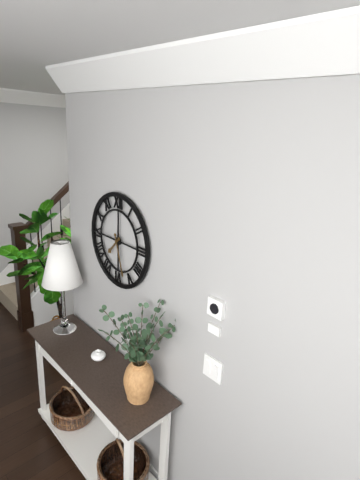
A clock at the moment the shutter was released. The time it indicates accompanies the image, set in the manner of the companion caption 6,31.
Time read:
7,27
